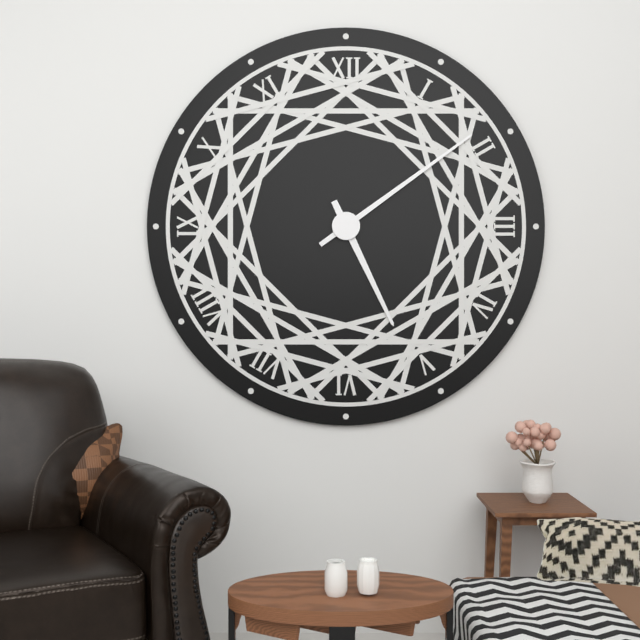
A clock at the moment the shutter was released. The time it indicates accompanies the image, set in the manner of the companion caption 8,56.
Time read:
5,09
